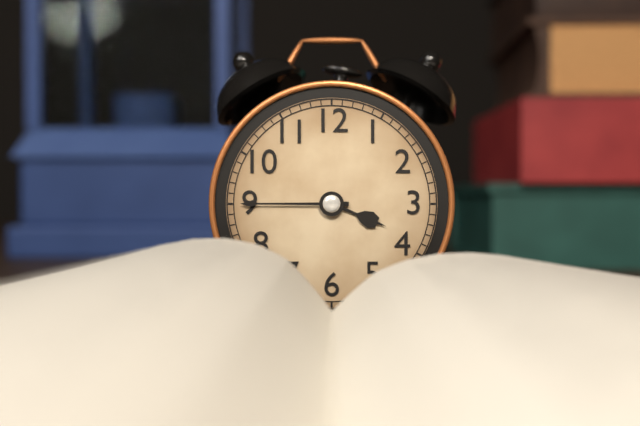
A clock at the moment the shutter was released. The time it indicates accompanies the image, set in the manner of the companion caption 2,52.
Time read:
3,45
